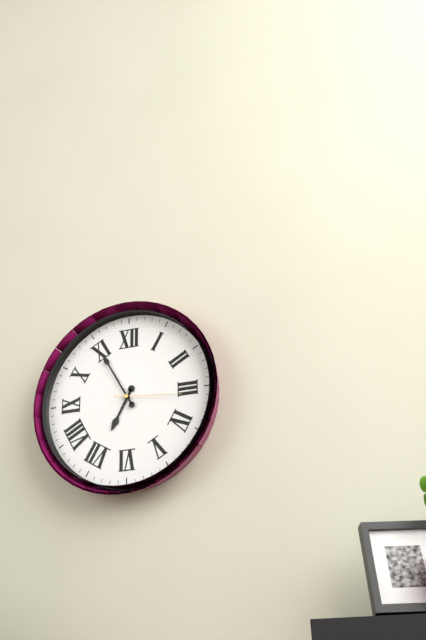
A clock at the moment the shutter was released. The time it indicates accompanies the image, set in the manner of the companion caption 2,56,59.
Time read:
6,55,16
